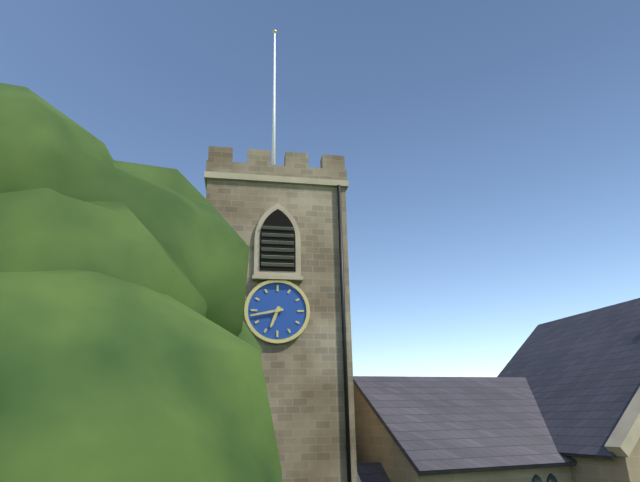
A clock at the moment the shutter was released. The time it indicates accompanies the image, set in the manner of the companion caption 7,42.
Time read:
6,43
